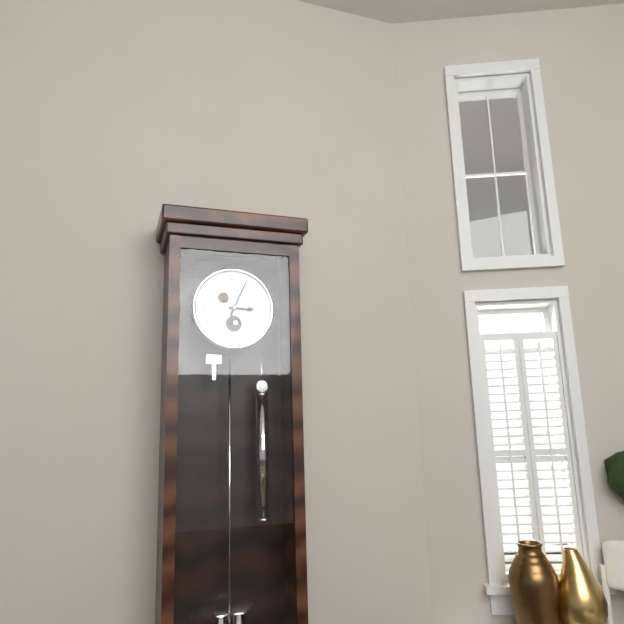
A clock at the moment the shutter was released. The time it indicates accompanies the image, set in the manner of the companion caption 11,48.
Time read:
3,04
